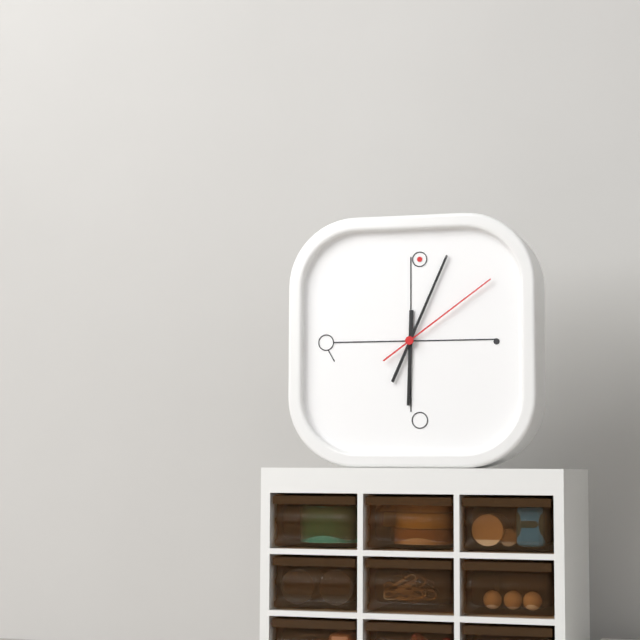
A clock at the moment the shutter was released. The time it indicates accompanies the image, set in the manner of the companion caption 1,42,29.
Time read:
6,04,09
